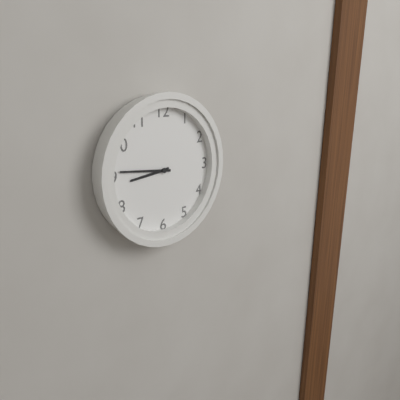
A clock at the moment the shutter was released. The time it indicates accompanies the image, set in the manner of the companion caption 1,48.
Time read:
8,46
